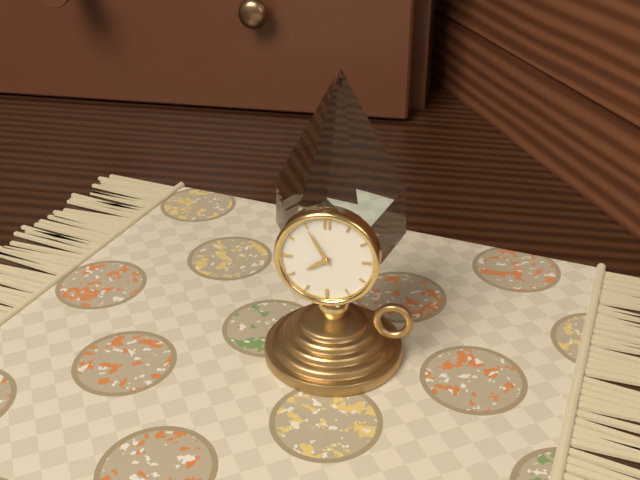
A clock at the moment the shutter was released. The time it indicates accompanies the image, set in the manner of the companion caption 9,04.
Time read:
7,55
